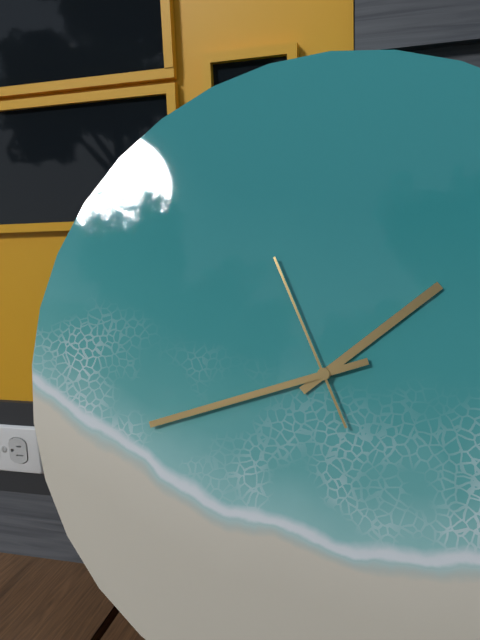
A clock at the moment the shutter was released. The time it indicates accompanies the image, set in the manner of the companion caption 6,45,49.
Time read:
1,42,56
